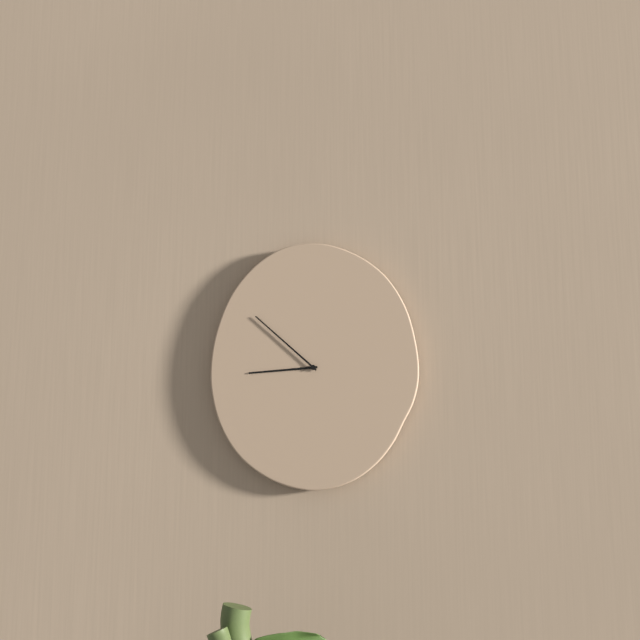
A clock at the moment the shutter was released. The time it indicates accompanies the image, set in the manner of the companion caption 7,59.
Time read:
8,52
